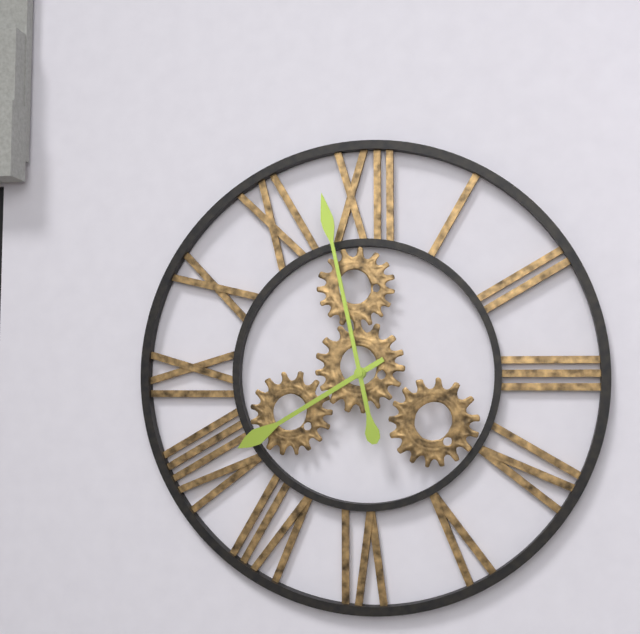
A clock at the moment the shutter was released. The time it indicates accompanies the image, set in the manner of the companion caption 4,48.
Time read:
7,58
